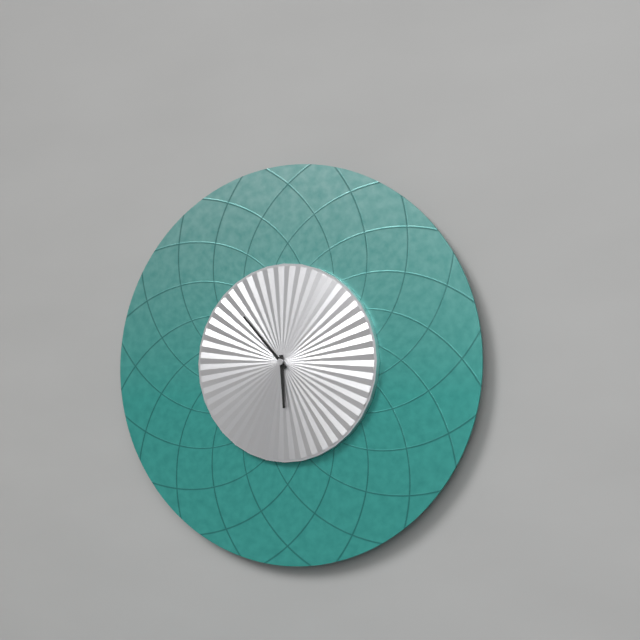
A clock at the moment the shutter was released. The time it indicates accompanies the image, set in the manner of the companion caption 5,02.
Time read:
5,53
